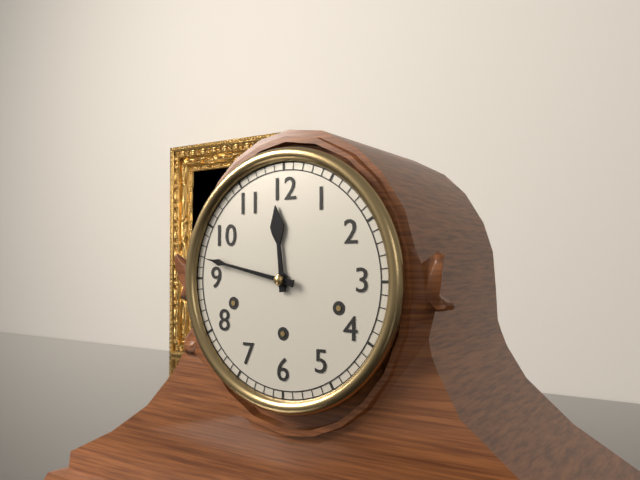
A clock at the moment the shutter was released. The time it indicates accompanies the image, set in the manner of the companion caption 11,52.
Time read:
11,47
